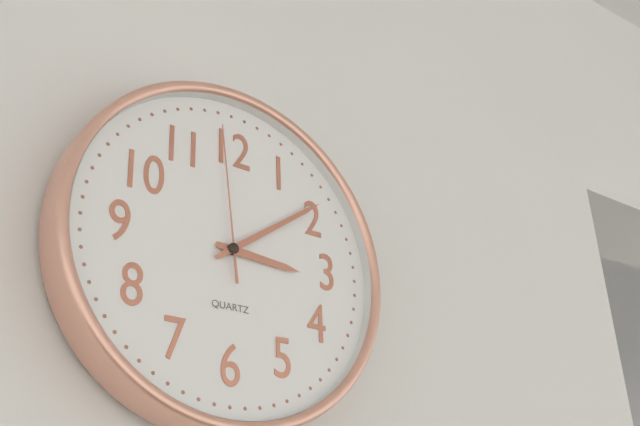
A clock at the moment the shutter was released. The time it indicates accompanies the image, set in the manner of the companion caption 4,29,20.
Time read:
3,09,59
